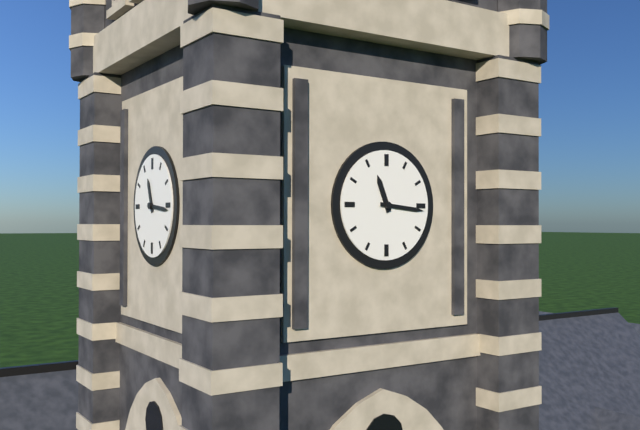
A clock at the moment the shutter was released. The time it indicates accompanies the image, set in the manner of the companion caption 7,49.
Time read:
11,16
